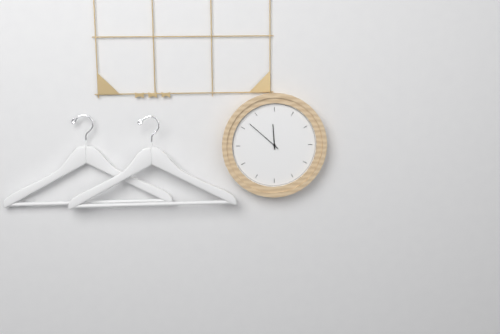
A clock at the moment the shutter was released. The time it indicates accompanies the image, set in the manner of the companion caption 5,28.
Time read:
11,52
